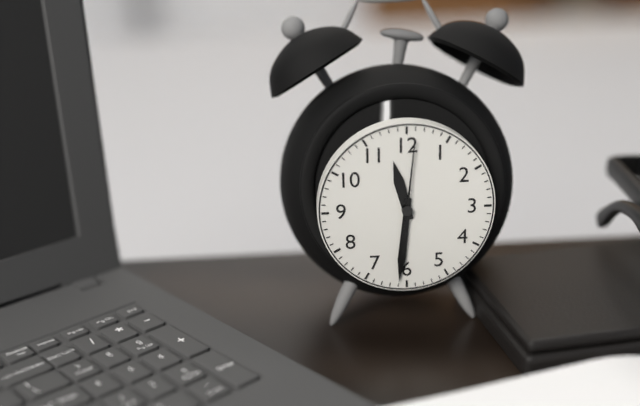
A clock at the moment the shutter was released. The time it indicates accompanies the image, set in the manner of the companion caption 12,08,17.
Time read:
11,31,01
